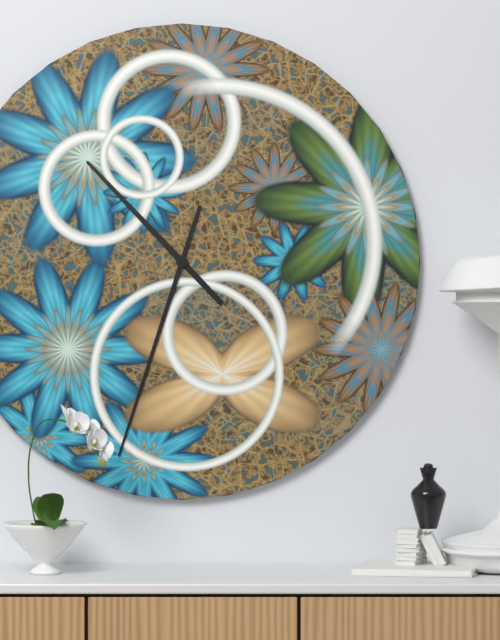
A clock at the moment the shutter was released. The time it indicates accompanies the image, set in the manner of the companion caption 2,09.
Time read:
10,33
